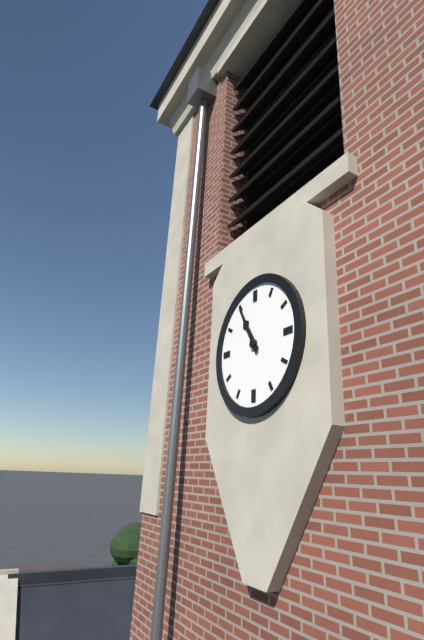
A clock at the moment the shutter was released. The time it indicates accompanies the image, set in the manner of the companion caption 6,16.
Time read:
10,55
